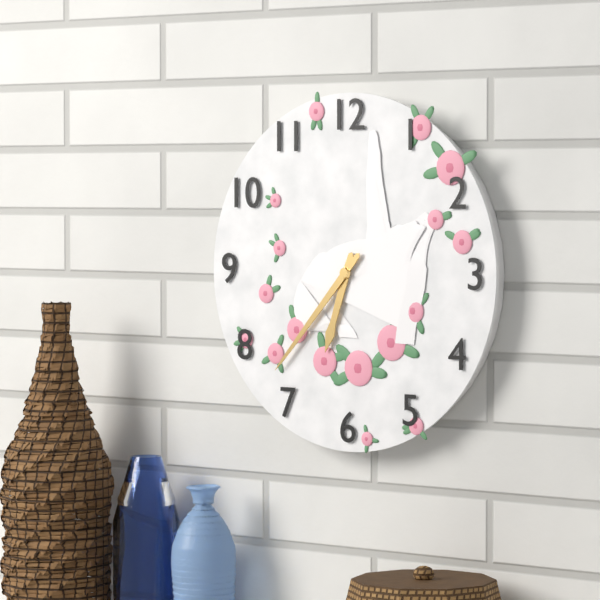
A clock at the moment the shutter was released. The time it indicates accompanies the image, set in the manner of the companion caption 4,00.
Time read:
6,37
